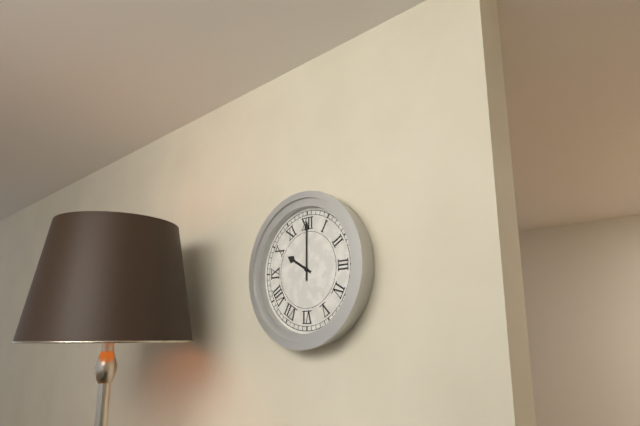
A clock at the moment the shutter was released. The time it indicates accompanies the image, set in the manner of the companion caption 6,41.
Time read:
10,00
